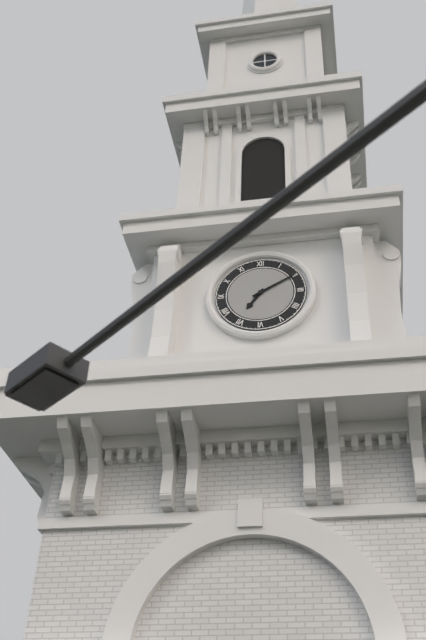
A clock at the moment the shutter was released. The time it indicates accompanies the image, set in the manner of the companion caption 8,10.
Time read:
7,10
